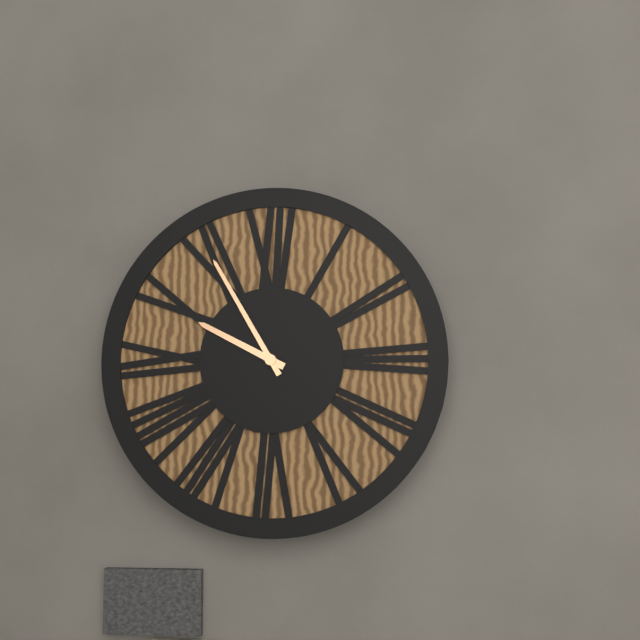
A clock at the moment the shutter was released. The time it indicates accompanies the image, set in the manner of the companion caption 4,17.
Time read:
9,55
